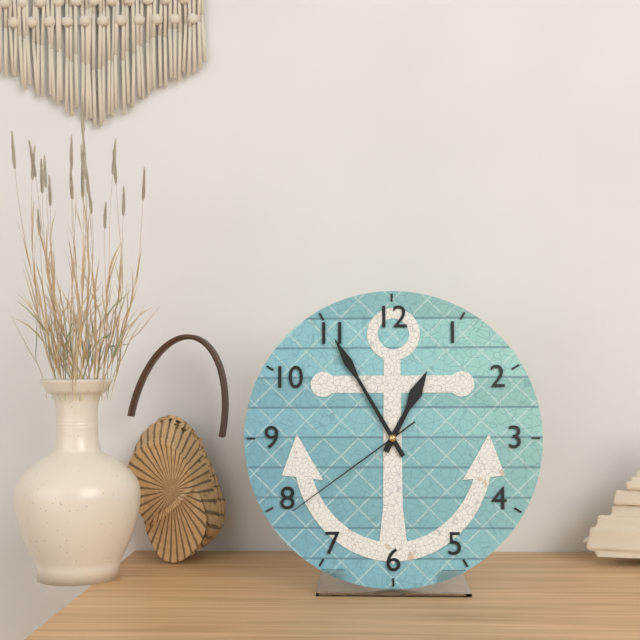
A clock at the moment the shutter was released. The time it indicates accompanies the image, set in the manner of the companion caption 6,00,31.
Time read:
12,55,39
